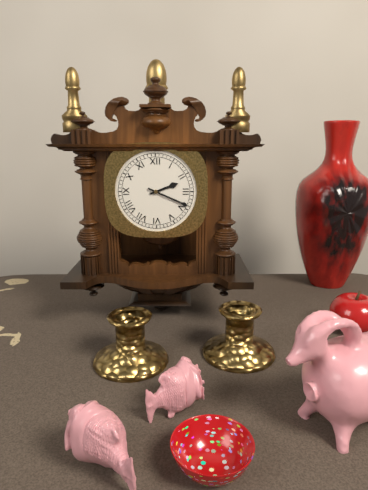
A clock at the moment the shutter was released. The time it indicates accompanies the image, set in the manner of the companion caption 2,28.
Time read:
2,19
